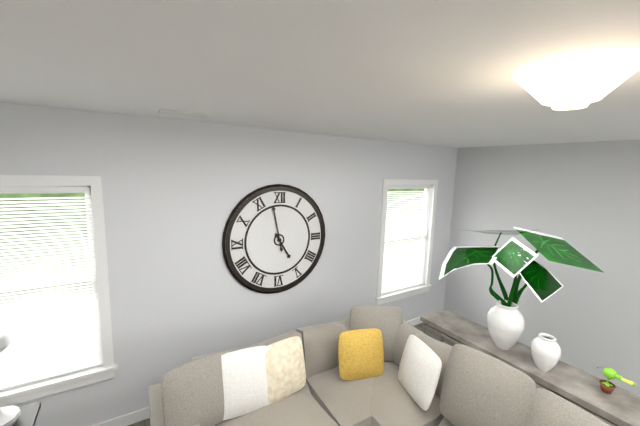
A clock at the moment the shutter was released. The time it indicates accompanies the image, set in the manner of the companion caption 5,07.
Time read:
4,58
